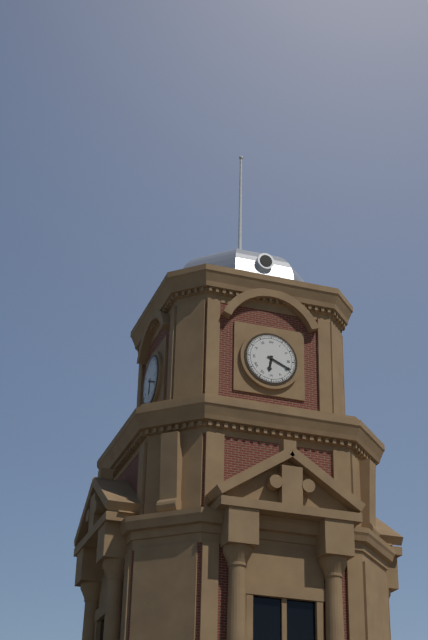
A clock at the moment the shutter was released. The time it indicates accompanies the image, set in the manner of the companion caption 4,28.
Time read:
6,19
